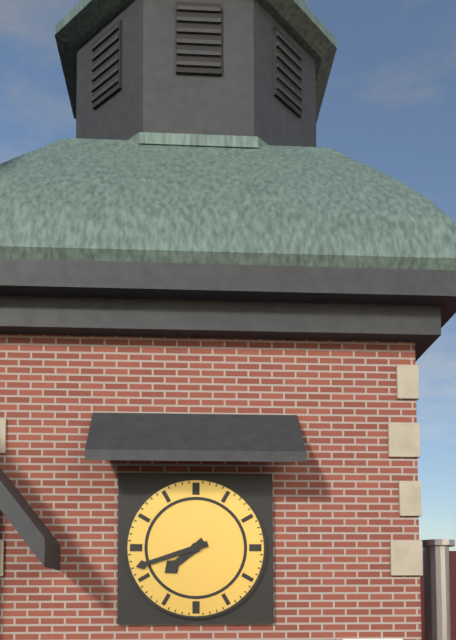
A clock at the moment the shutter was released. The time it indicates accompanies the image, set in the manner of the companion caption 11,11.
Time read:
7,42
